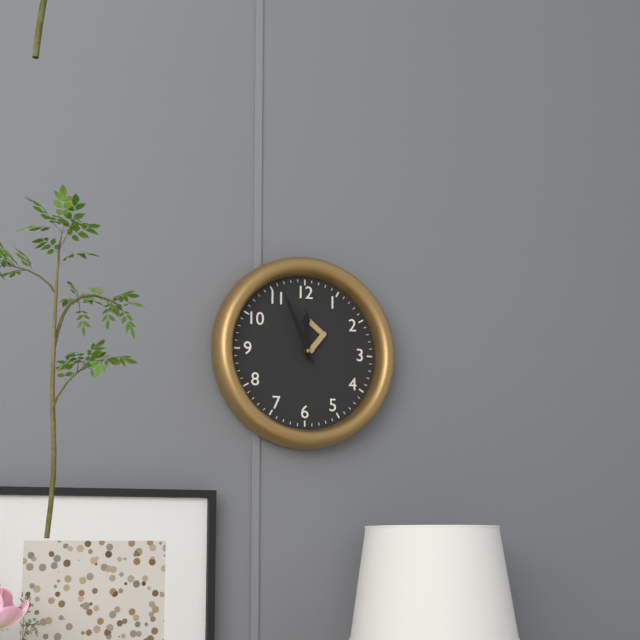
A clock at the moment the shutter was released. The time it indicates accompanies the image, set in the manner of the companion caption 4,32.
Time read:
11,56
